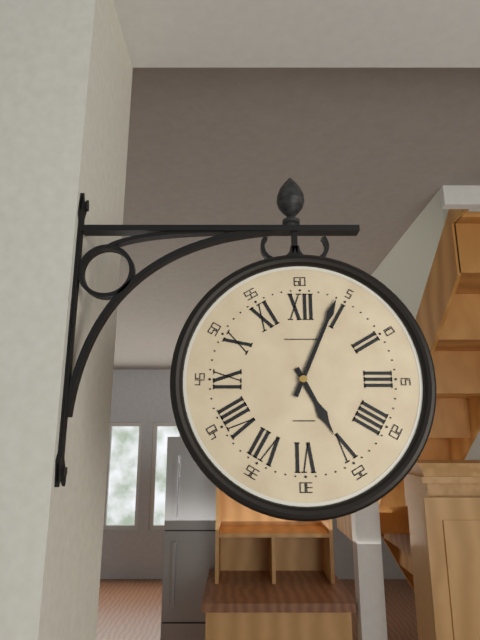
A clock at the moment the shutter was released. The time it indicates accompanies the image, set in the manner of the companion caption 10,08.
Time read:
5,04
